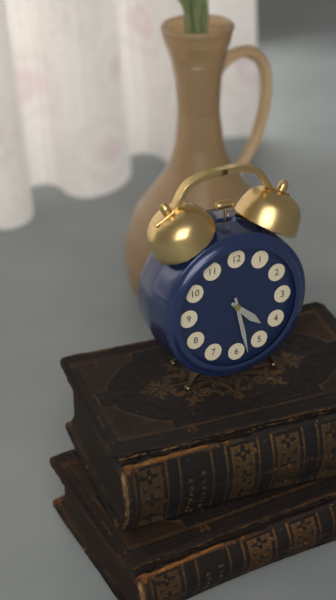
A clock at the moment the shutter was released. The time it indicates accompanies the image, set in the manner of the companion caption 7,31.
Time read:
4,28
